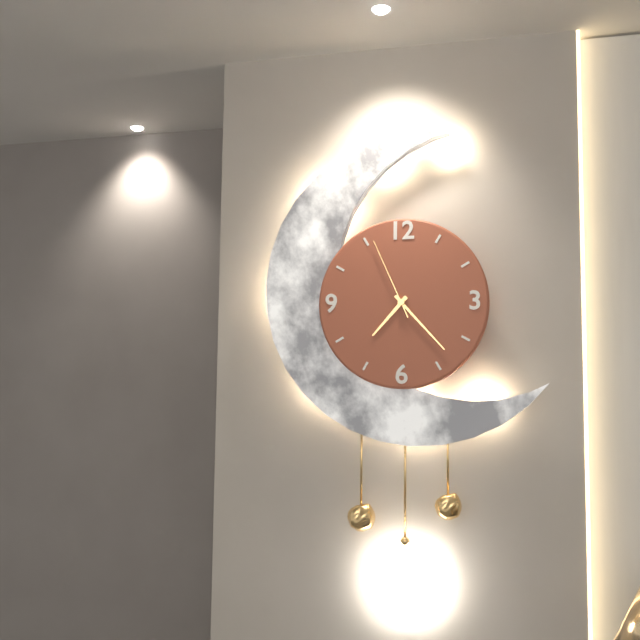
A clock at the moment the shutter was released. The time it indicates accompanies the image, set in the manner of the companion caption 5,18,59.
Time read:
7,23,56
